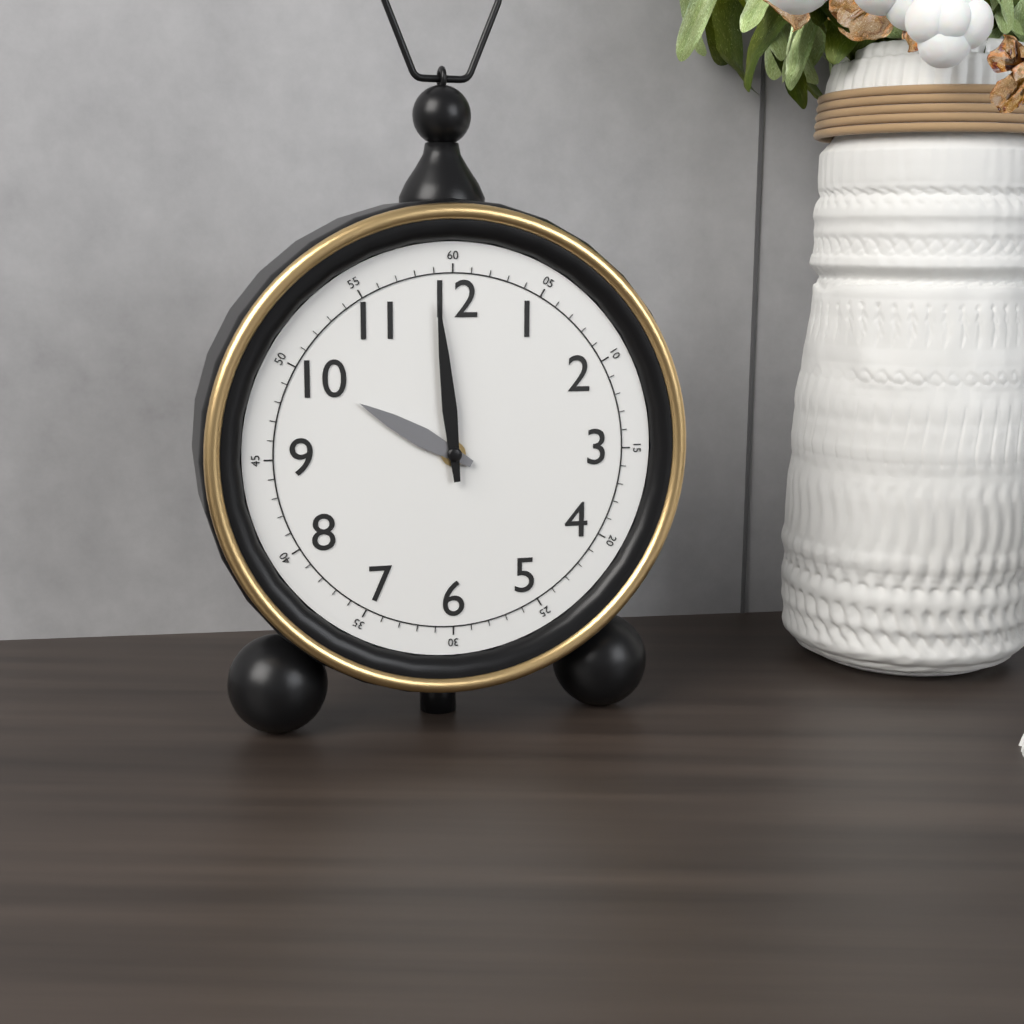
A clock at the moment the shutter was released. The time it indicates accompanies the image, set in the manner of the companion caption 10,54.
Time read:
9,59
